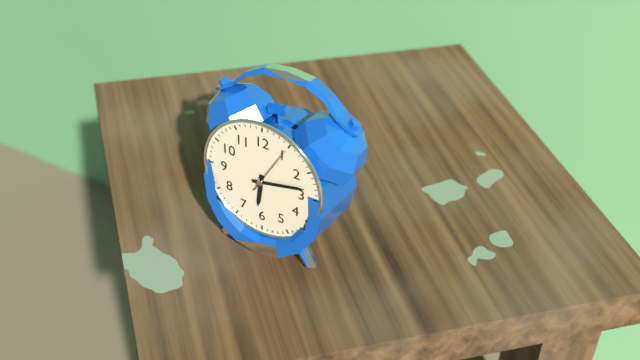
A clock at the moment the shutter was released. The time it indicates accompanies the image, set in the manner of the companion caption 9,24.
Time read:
6,13
